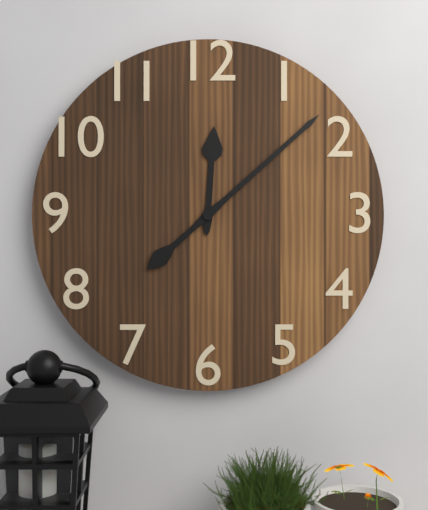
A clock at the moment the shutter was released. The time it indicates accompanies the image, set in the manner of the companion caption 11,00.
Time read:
12,08
